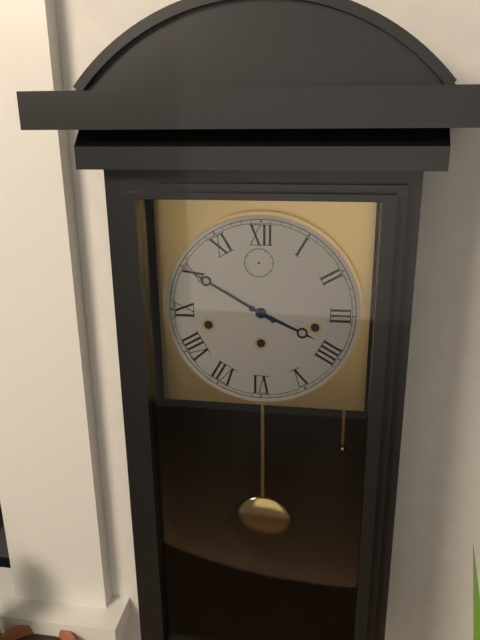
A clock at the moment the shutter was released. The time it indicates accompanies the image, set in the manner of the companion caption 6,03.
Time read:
3,50
